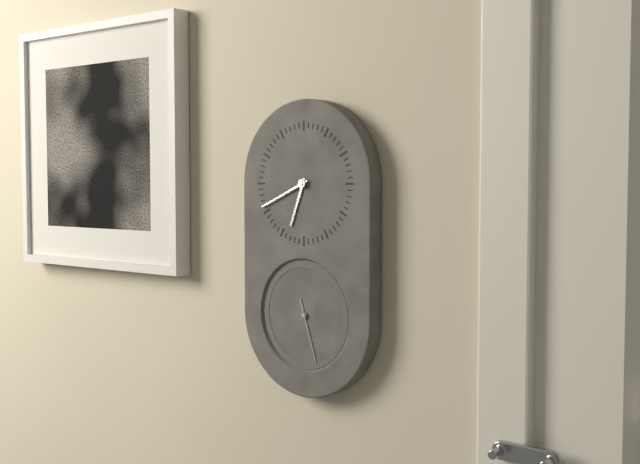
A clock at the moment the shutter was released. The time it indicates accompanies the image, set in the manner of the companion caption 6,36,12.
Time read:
6,41,27
